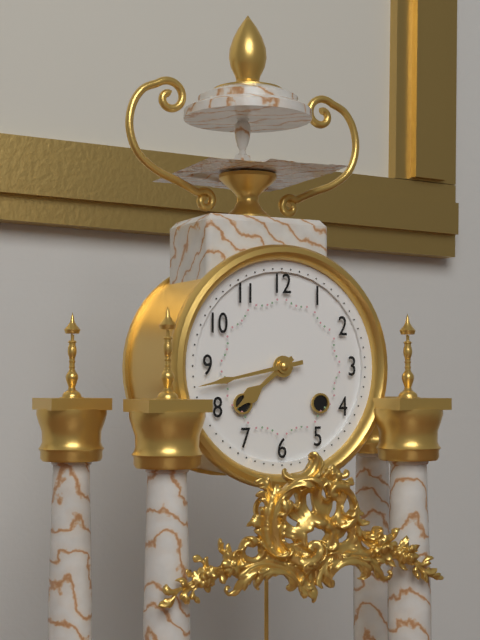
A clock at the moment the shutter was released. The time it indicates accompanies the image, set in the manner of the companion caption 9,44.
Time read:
7,43
